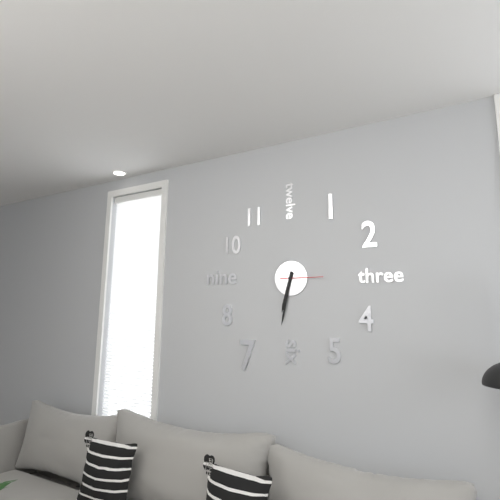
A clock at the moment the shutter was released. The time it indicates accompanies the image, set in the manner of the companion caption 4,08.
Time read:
6,32
